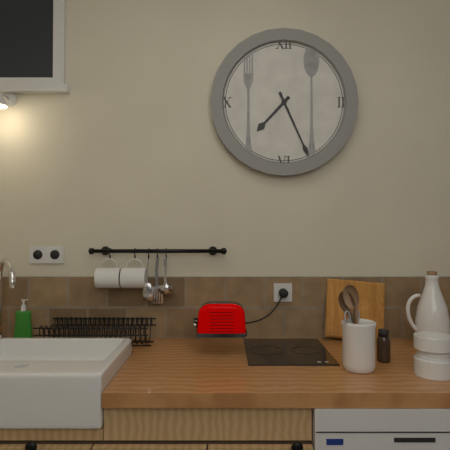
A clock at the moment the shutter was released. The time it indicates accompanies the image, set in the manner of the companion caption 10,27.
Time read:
7,26
